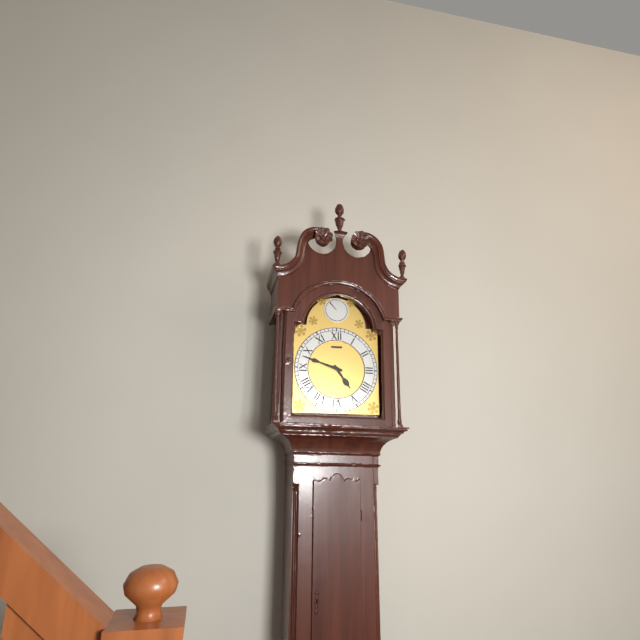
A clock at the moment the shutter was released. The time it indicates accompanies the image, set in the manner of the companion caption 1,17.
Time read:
4,48
